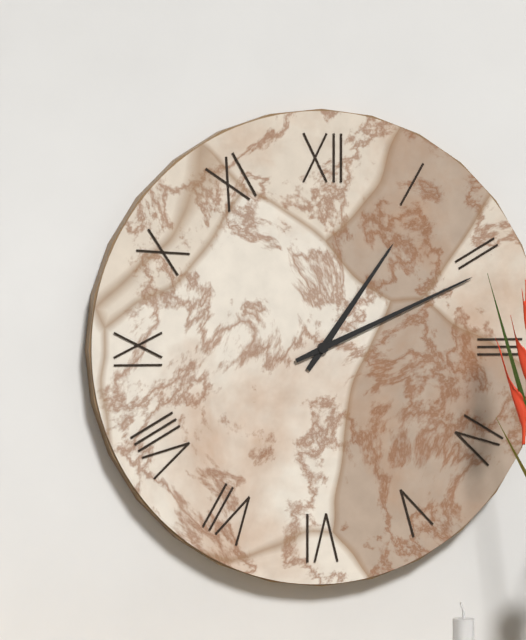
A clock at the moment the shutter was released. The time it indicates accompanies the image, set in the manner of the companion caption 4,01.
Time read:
1,11
